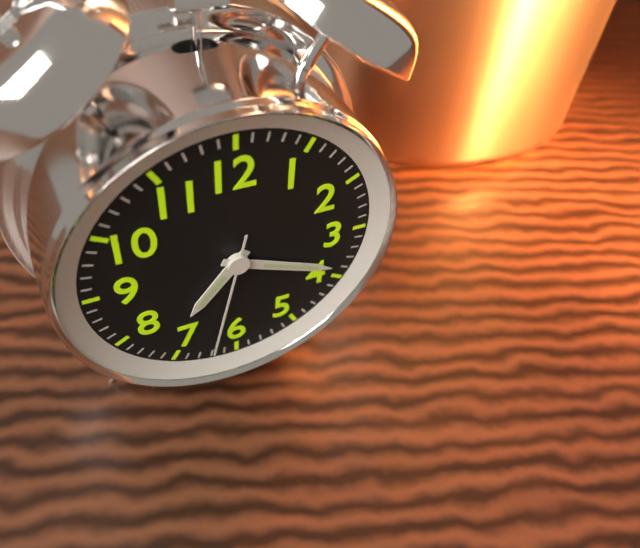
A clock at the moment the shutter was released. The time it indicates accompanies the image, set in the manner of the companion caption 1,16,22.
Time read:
7,19,32
